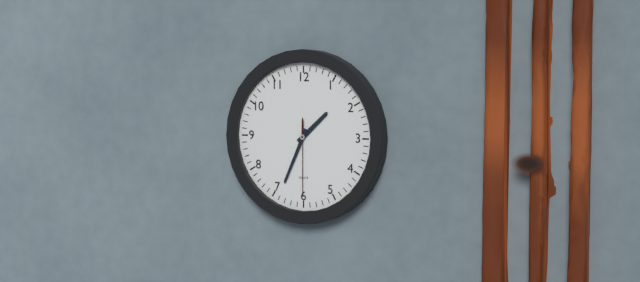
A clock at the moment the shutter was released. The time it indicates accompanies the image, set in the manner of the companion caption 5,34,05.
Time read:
1,34,30
